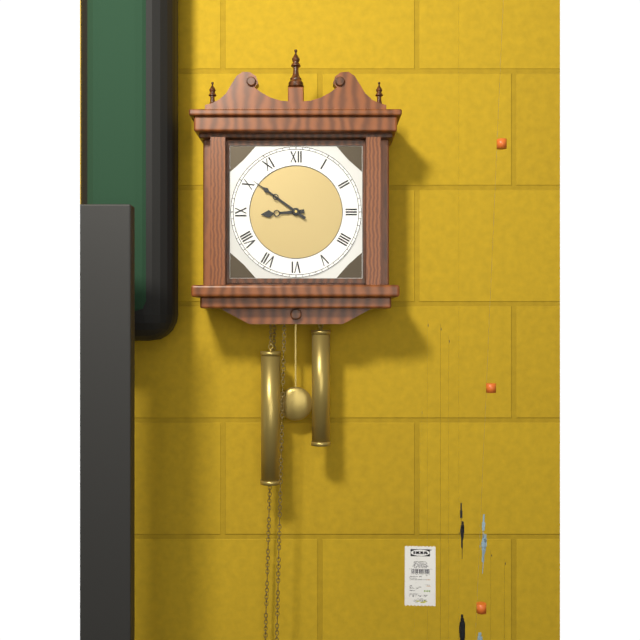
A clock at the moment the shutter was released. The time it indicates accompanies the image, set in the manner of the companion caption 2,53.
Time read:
8,51
